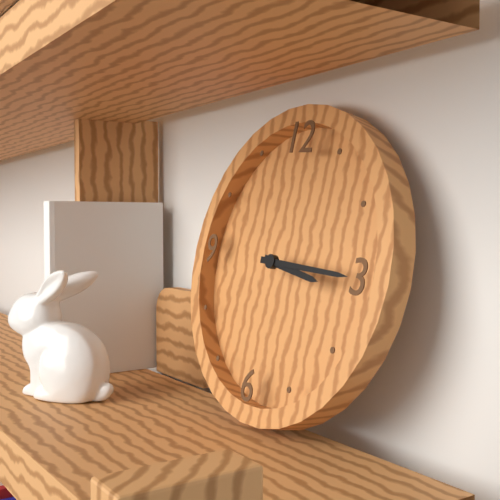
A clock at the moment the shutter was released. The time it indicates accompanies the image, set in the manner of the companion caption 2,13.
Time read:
3,15
